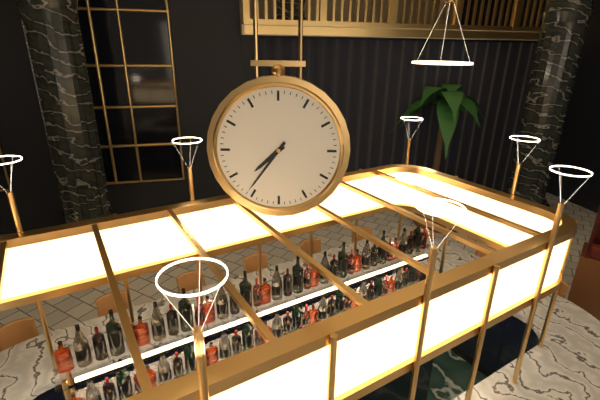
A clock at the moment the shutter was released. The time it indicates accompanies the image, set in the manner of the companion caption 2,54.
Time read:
7,36
